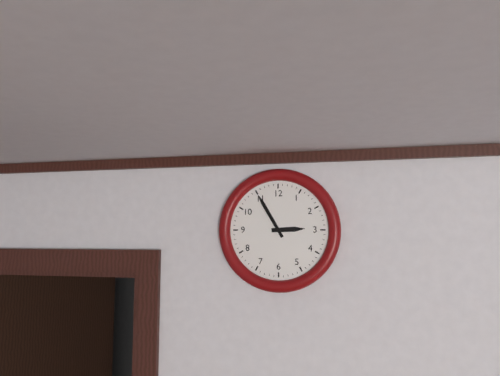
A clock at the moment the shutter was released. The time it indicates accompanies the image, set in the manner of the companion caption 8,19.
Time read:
2,55
